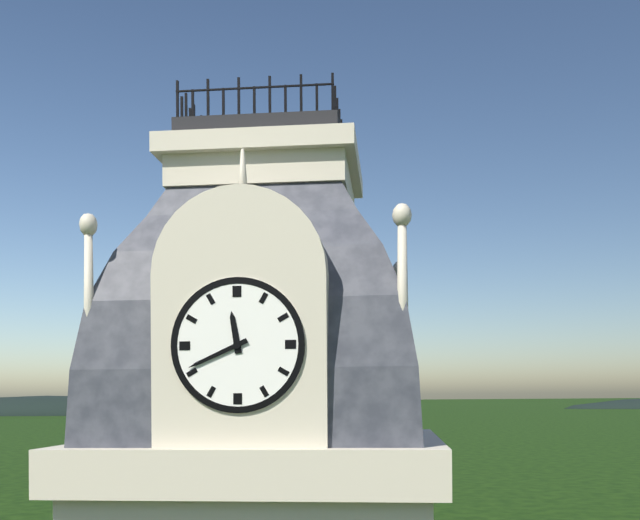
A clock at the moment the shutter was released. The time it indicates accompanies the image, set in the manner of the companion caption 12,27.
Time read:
11,41
